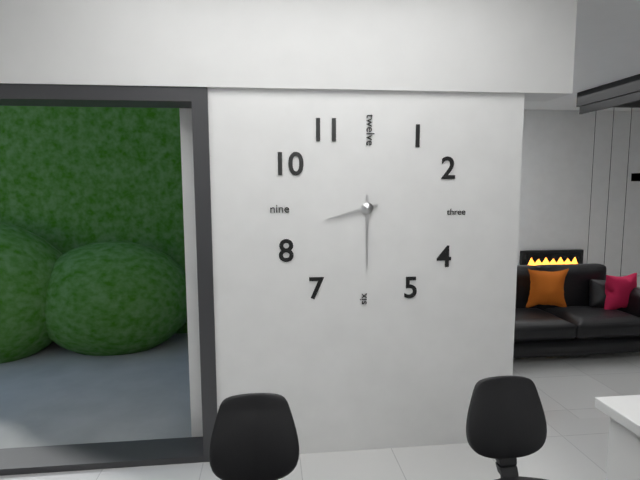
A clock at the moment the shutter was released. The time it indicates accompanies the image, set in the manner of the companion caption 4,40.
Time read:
8,30
